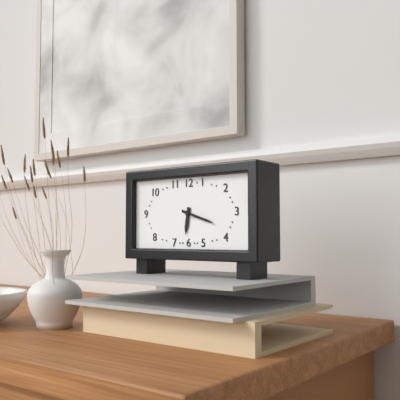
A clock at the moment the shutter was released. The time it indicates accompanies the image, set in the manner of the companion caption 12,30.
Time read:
6,18
